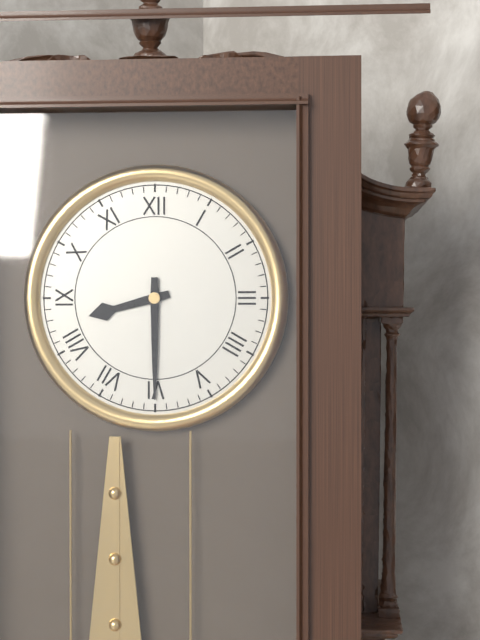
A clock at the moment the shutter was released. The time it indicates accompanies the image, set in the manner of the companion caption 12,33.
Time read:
8,30
